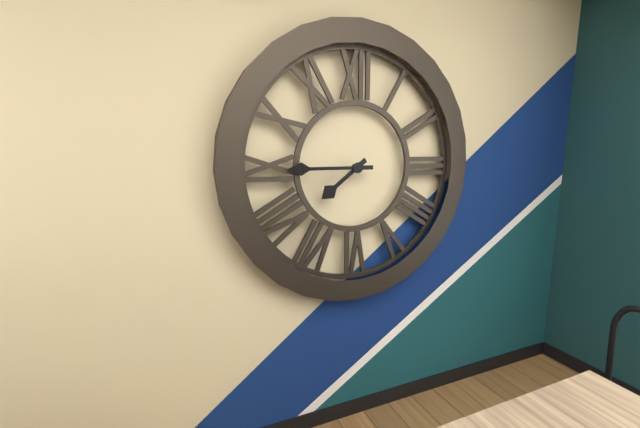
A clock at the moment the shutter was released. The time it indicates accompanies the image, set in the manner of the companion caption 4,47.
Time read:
7,45
